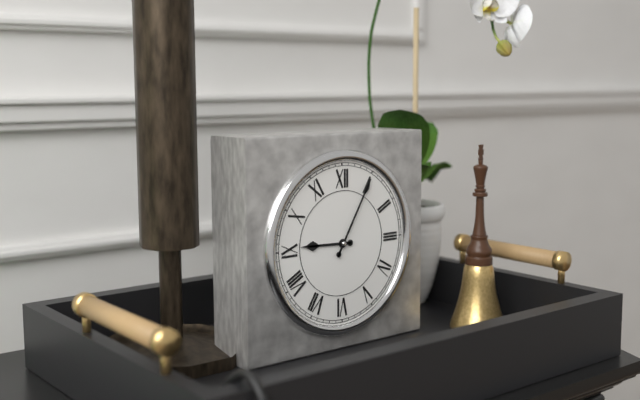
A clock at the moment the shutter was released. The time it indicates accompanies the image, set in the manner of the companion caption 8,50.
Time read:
9,05
